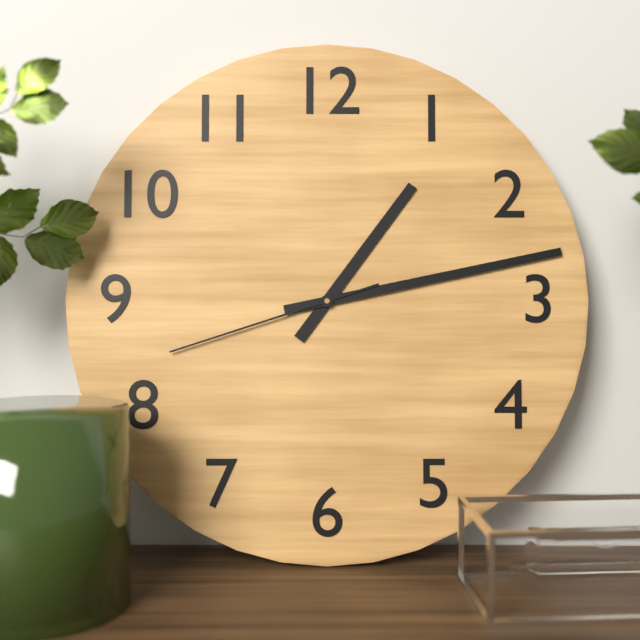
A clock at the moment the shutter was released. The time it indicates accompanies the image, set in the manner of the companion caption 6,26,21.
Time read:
1,13,42
